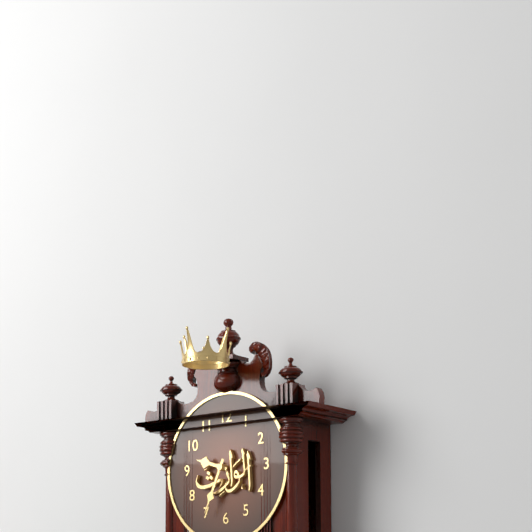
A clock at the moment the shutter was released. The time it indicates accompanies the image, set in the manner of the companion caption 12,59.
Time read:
9,34
